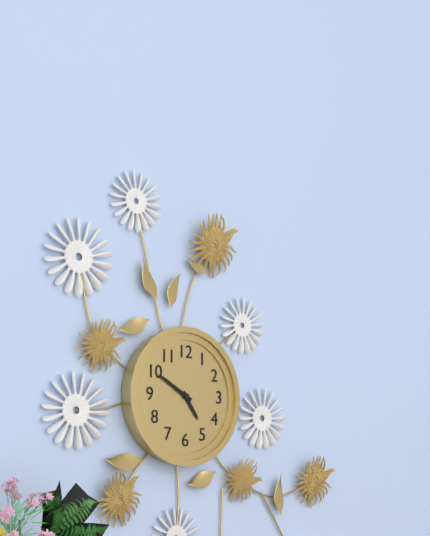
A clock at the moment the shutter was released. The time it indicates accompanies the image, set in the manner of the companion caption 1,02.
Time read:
4,50
